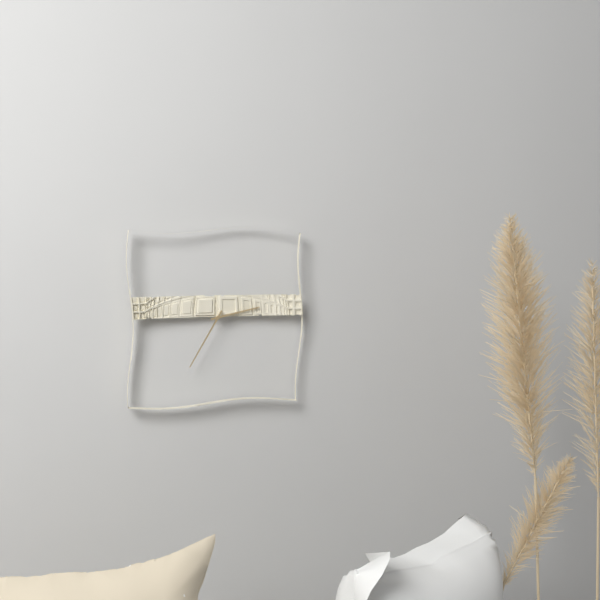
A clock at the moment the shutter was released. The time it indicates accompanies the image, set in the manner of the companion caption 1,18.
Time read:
2,35
